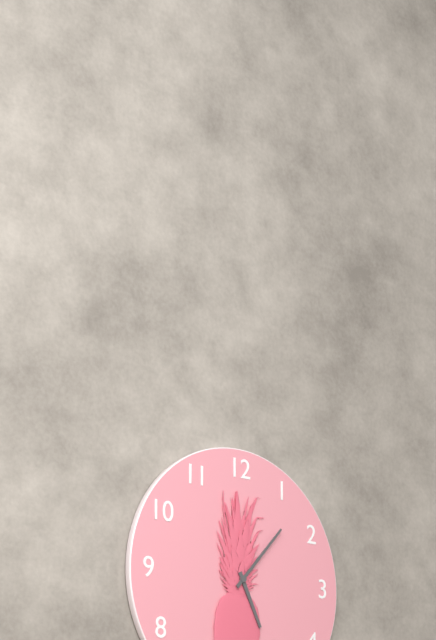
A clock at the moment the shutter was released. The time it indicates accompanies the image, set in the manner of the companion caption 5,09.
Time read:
5,07
